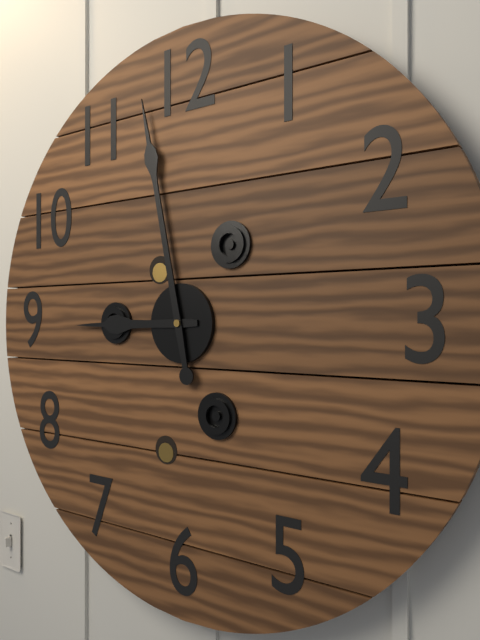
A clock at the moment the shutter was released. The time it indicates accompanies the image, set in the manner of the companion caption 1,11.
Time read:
8,58
